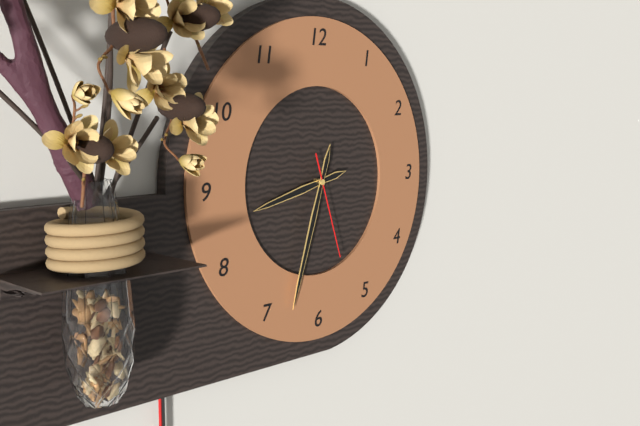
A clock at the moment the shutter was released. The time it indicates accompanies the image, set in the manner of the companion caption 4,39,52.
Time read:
8,33,27
